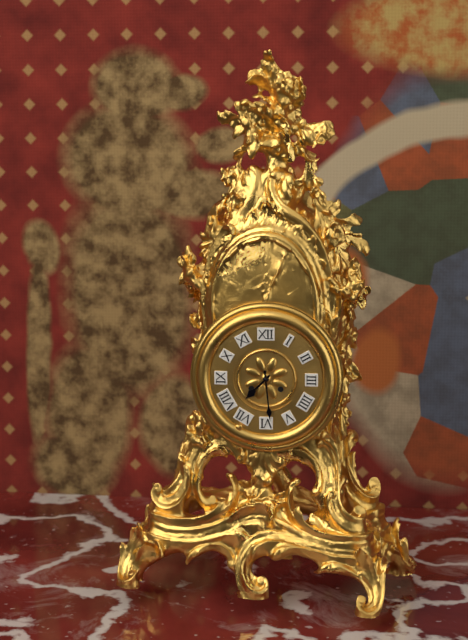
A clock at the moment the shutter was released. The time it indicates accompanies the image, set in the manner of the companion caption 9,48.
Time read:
7,29
